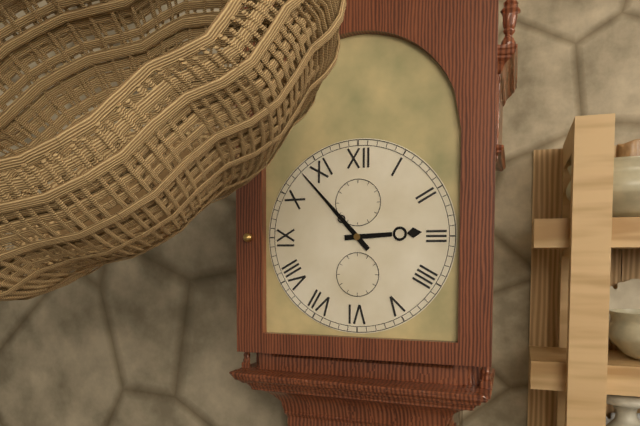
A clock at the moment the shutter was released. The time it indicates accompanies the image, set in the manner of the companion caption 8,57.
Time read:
2,53
